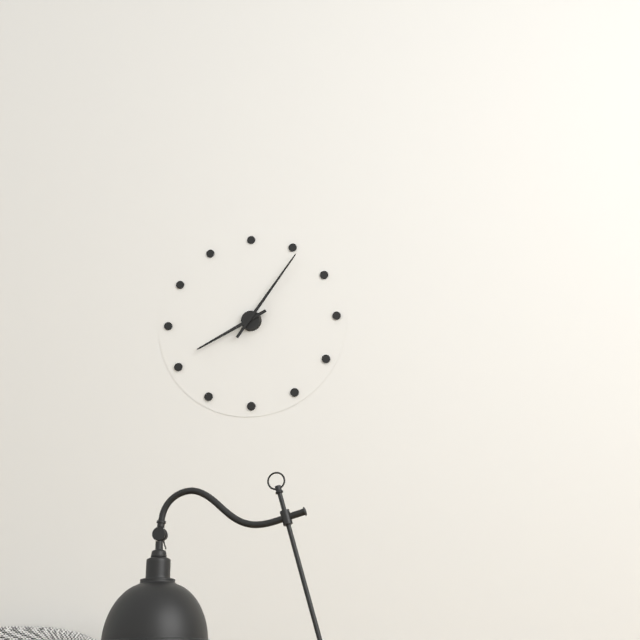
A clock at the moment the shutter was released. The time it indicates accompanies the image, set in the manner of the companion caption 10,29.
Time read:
8,06
